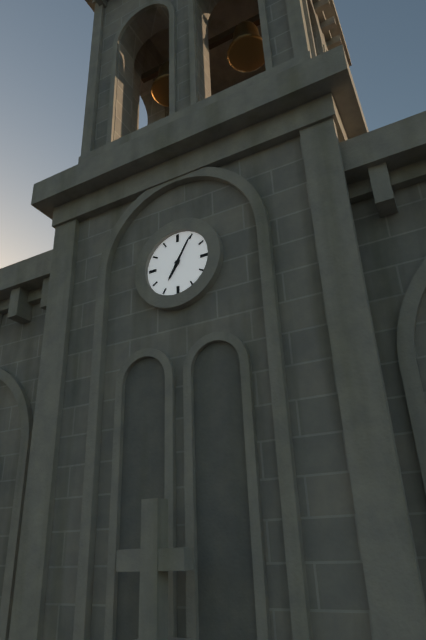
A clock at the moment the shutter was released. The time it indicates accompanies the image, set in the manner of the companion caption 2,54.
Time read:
7,05
